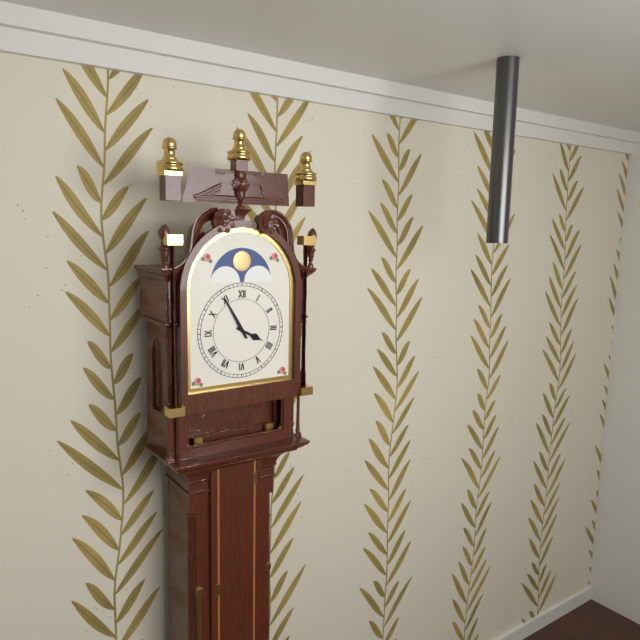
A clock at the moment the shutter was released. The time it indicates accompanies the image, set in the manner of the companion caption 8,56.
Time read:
3,55
